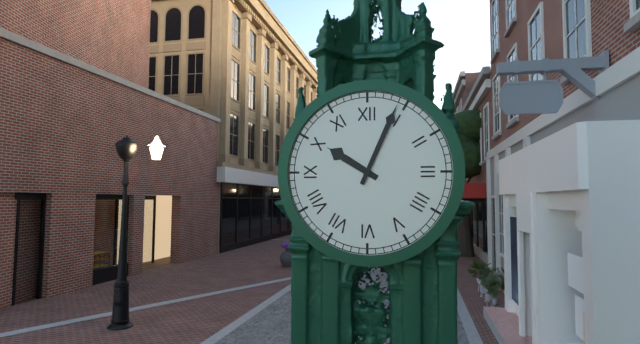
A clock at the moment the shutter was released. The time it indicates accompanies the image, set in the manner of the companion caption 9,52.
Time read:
10,04
